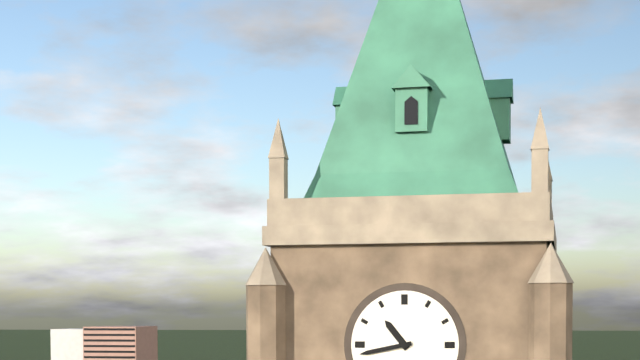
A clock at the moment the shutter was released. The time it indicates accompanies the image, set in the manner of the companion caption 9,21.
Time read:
10,43
